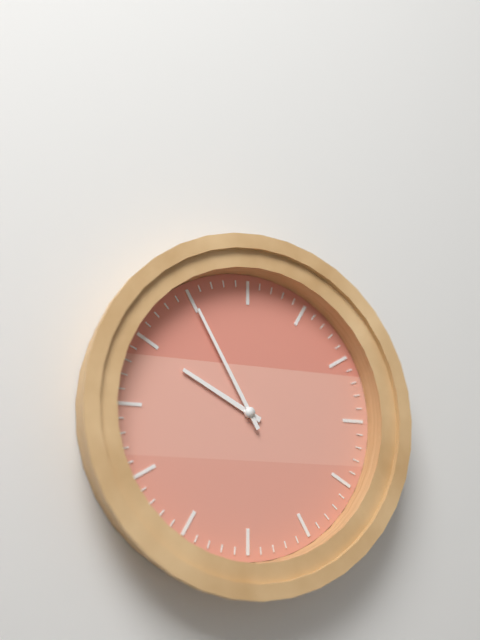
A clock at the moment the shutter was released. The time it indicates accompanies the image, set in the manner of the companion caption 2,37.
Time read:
9,55
